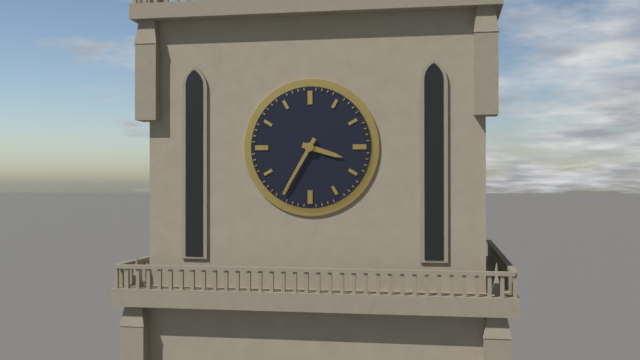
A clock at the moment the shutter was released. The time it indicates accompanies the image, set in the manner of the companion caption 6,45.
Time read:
3,35
